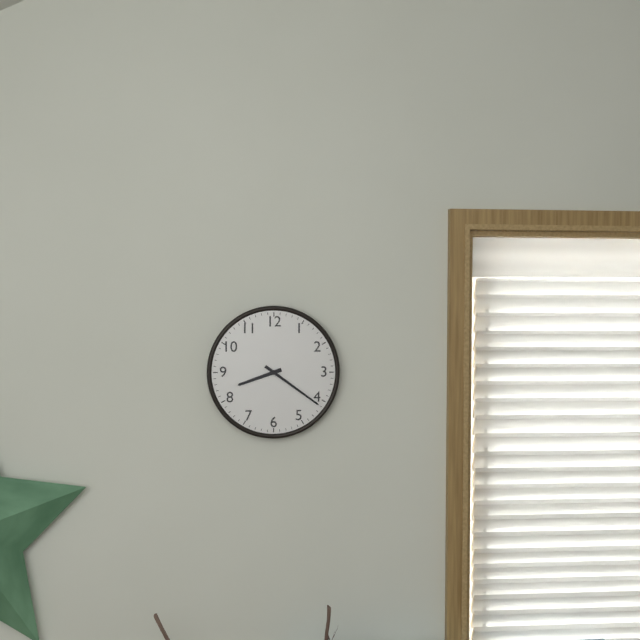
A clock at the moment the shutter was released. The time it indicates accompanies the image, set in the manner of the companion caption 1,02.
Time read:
8,21
